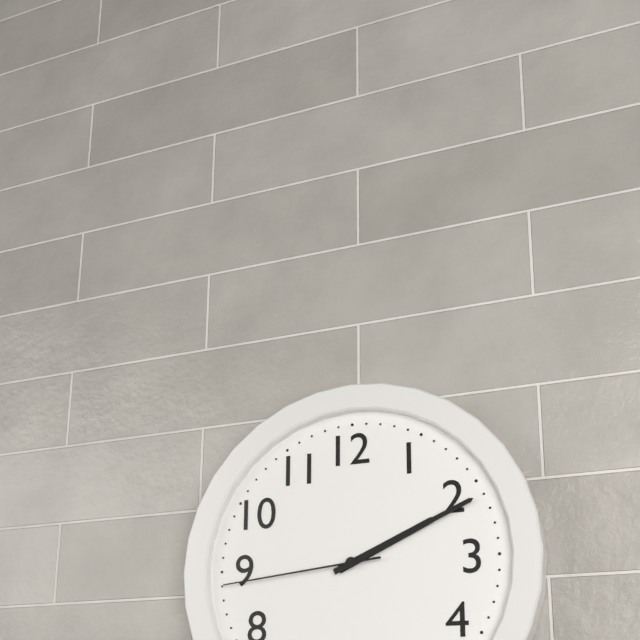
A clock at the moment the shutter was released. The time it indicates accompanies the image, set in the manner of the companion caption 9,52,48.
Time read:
2,11,44
